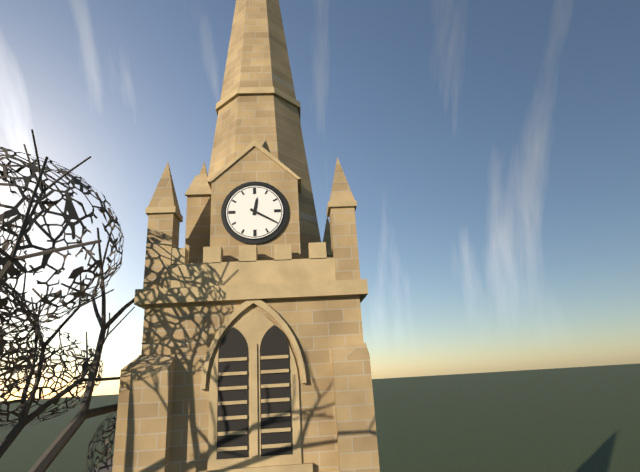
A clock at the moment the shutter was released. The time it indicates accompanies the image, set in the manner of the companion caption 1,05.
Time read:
12,20
